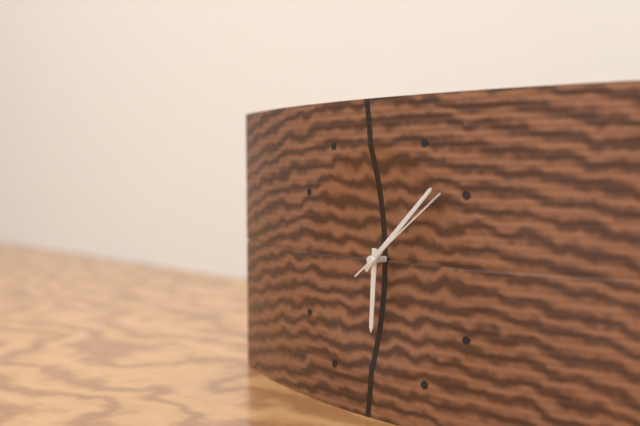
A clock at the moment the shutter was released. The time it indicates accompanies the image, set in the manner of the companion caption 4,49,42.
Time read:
6,08,09
